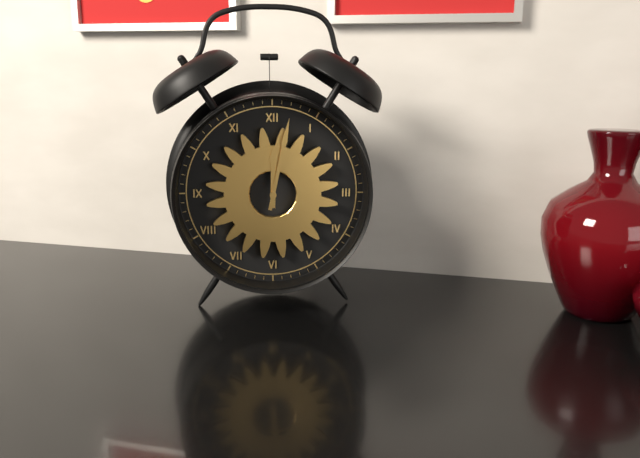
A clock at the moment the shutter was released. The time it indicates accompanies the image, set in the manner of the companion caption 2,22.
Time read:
12,02
